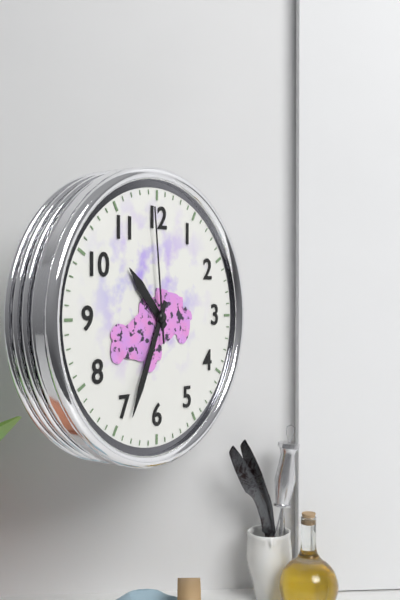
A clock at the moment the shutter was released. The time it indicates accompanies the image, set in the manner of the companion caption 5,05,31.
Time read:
10,34,59
